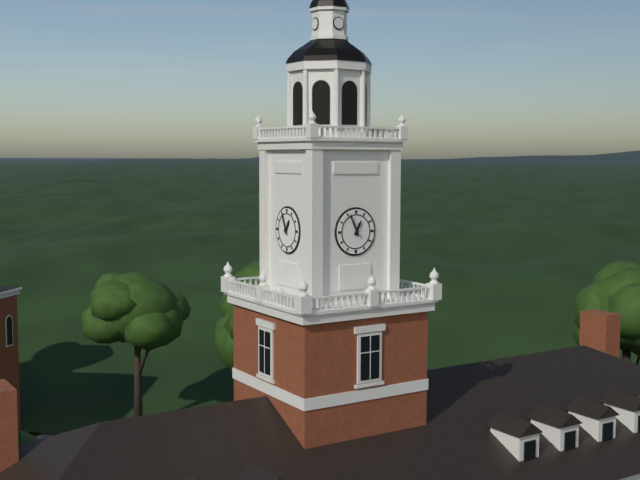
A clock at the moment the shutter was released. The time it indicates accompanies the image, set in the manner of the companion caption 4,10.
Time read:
12,56
